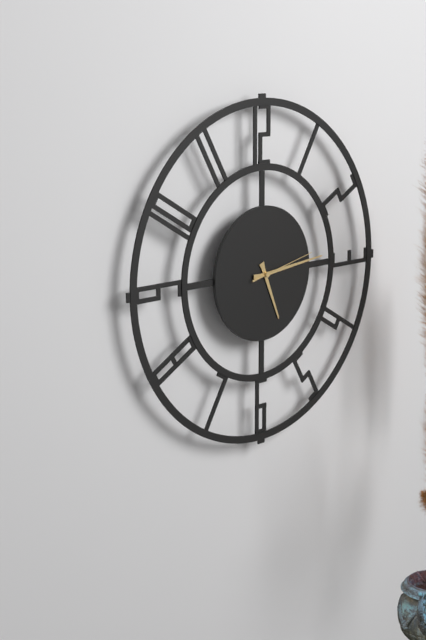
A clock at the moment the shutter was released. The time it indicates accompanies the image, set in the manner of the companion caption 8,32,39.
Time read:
5,14,13
